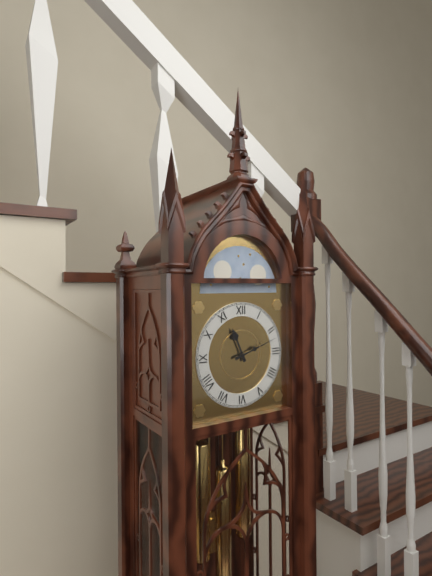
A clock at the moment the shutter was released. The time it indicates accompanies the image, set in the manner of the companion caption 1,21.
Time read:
11,12
